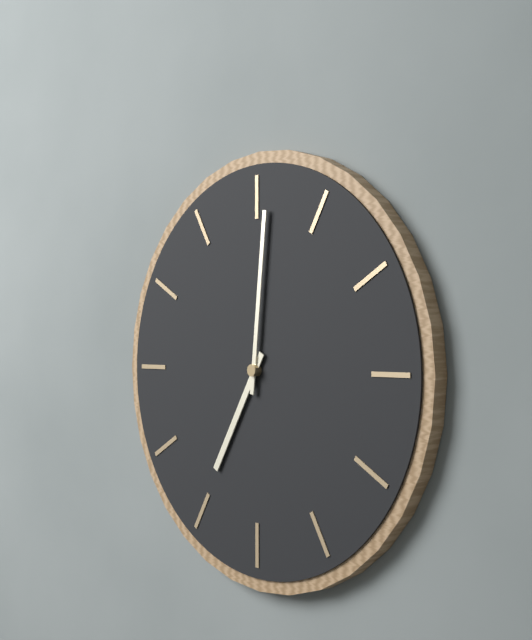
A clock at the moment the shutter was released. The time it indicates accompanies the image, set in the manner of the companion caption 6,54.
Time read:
7,01
